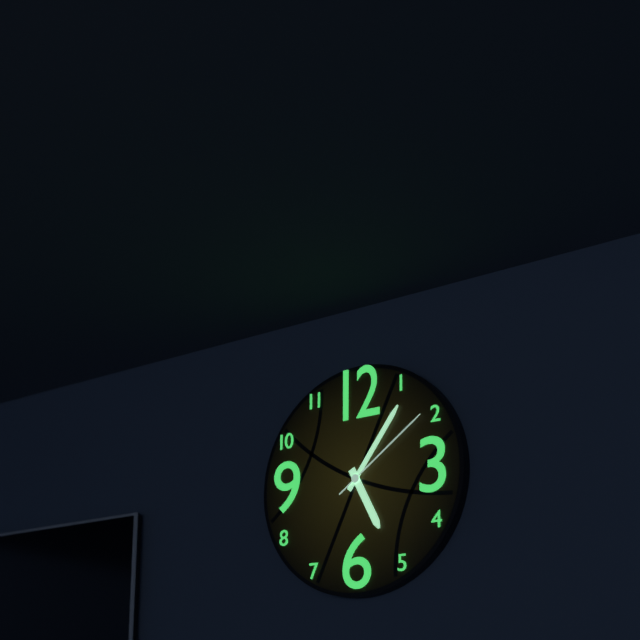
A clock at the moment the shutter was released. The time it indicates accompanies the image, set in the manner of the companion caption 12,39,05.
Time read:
5,06,09
